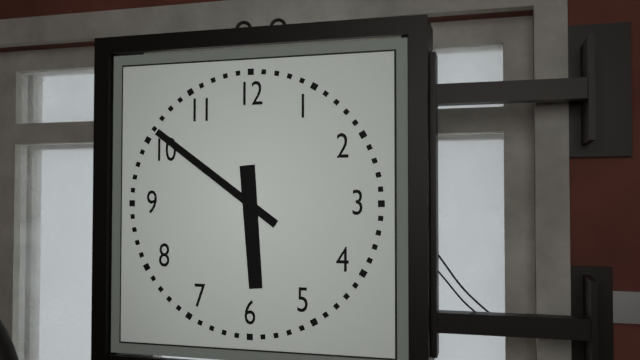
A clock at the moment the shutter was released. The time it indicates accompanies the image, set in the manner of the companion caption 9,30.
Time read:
5,51
